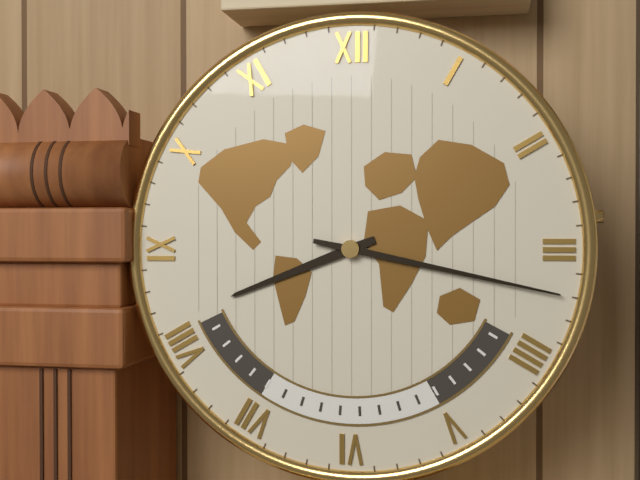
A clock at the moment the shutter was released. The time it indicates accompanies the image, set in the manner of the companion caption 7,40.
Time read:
8,17
